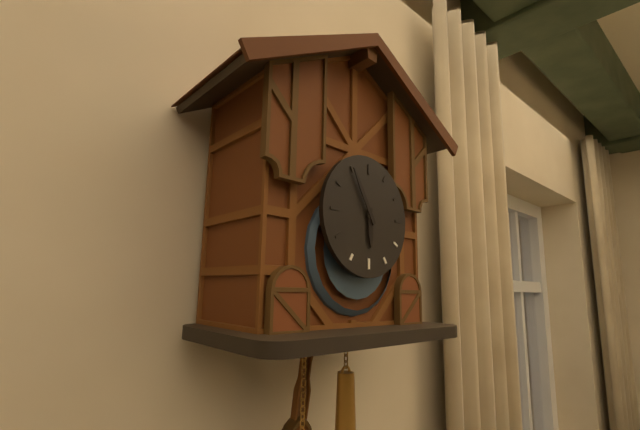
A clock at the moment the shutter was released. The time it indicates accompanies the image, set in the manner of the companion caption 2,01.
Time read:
5,55
